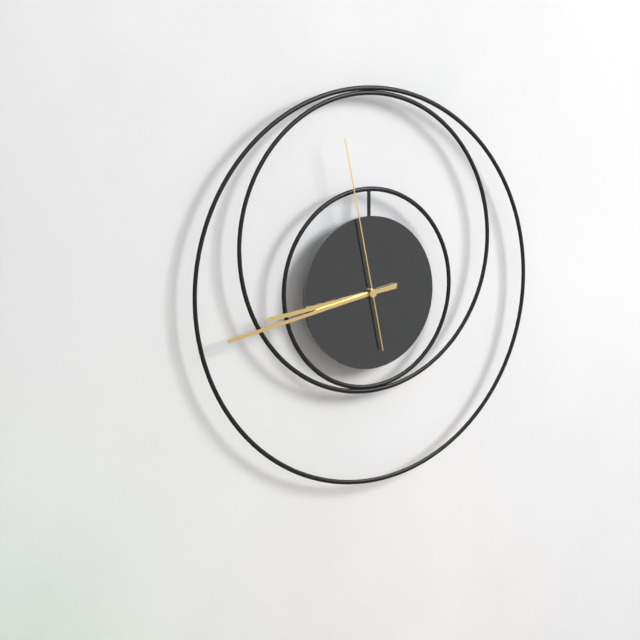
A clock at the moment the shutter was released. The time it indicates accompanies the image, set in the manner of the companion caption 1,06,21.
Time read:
8,43,58
